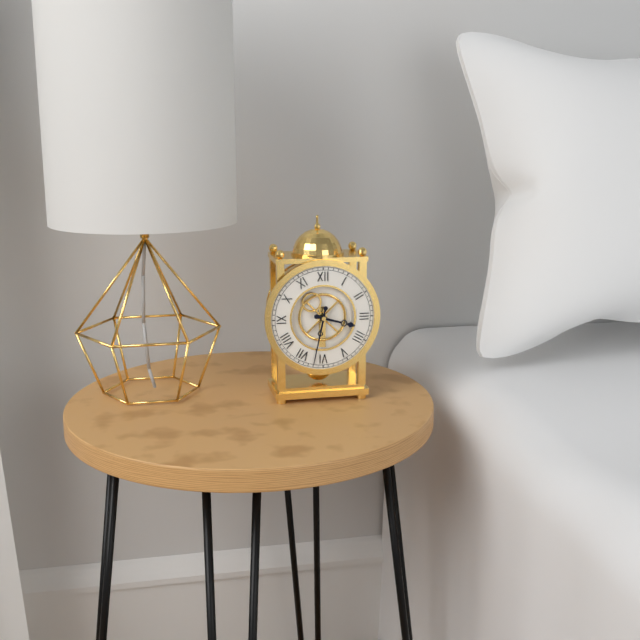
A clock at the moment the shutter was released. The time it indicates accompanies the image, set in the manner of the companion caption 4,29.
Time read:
3,32
